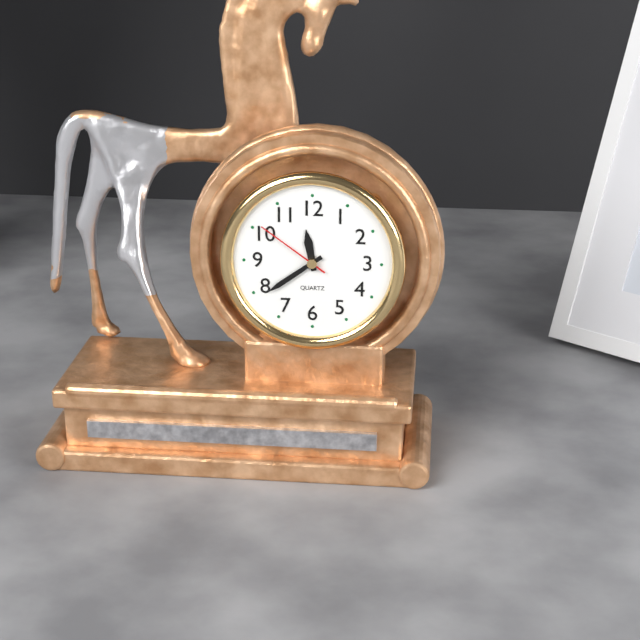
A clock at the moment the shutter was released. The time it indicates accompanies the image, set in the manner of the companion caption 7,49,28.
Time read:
11,39,51
